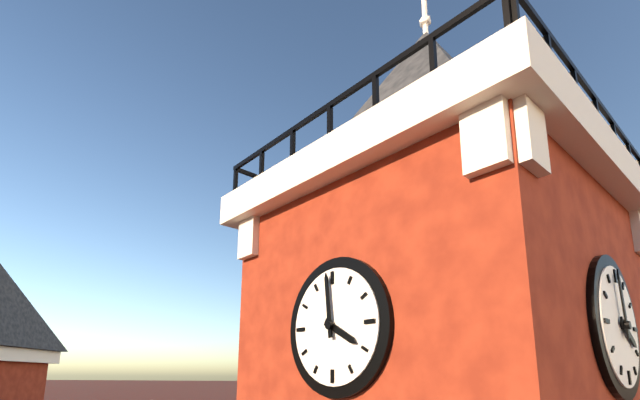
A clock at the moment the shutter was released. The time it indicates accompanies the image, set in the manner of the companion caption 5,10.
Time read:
3,59
